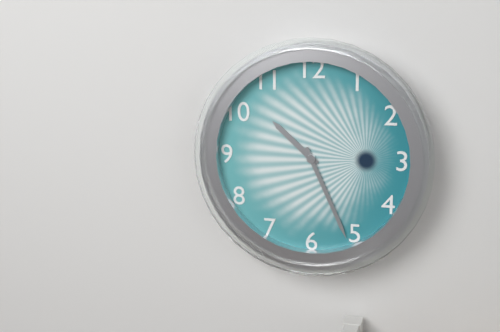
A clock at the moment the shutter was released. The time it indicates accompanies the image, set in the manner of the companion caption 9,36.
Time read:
10,26
